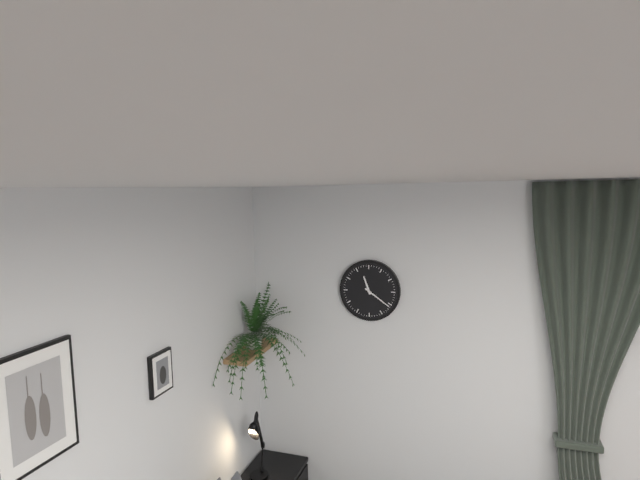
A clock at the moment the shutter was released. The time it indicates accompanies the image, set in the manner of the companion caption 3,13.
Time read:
11,21
